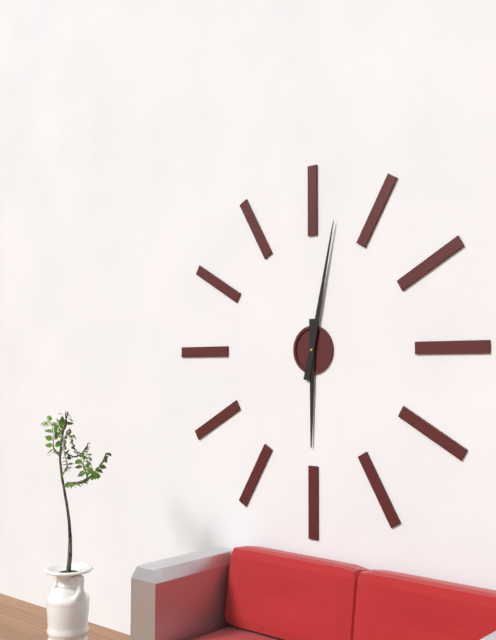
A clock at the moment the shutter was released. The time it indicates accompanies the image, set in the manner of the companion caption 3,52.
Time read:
6,02
